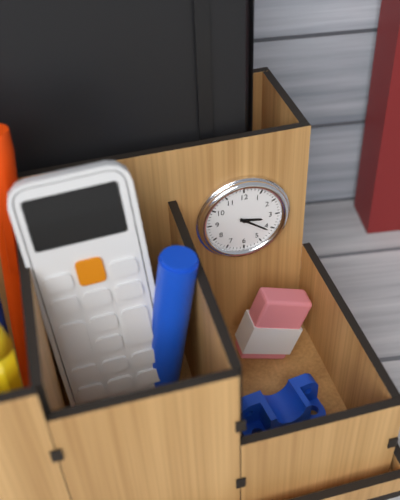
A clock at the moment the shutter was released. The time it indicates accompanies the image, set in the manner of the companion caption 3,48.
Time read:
3,21
